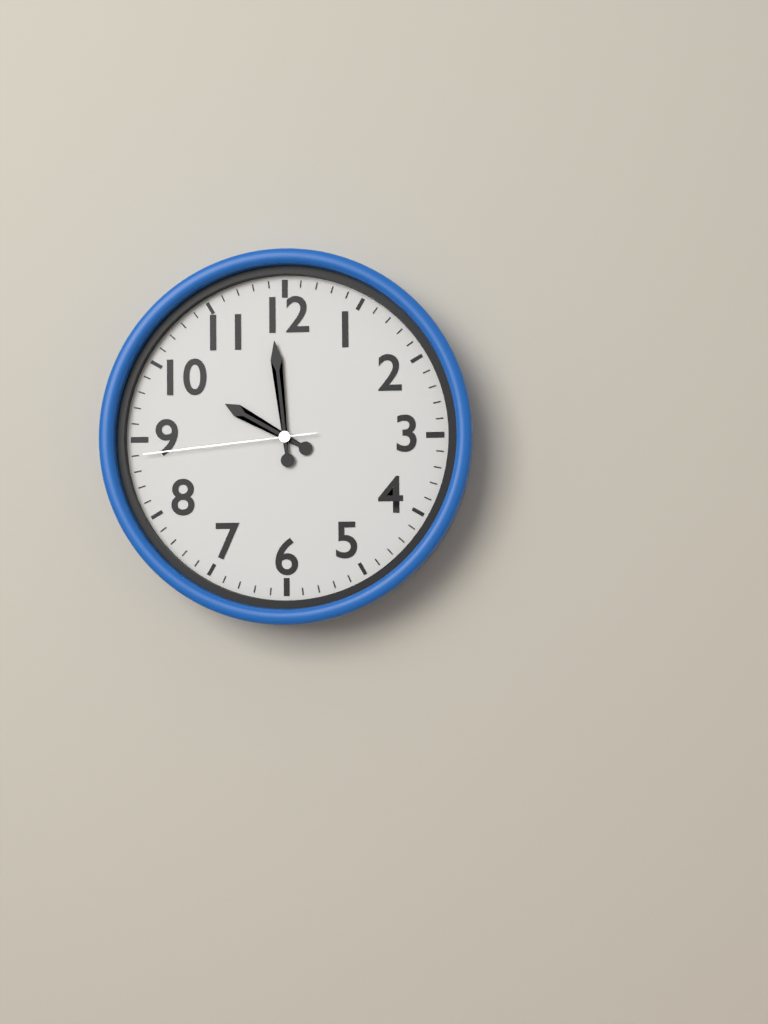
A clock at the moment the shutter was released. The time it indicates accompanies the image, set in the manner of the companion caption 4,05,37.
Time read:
9,59,44
